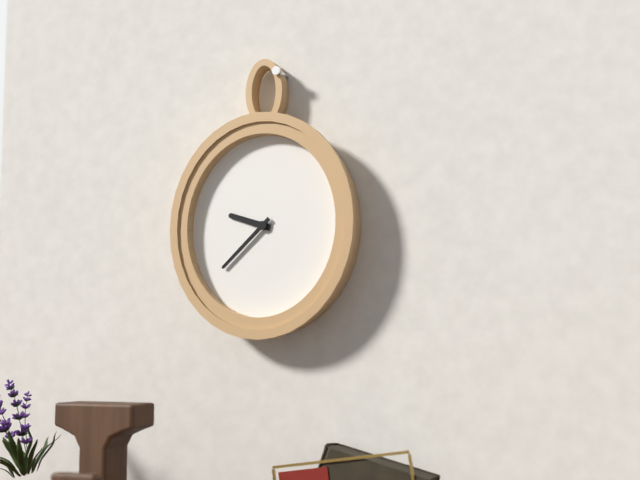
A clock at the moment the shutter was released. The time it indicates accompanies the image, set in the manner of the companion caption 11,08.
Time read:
9,38
